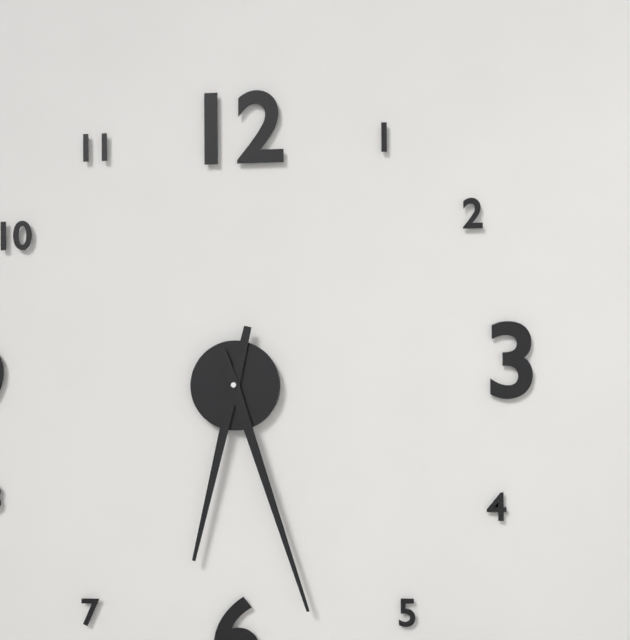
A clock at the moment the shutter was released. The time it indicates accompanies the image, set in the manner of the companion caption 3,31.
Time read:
6,27
